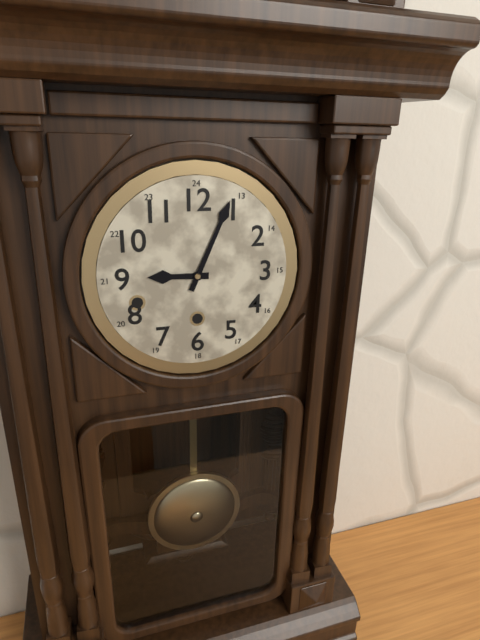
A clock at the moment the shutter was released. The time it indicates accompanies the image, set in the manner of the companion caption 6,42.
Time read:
9,04
